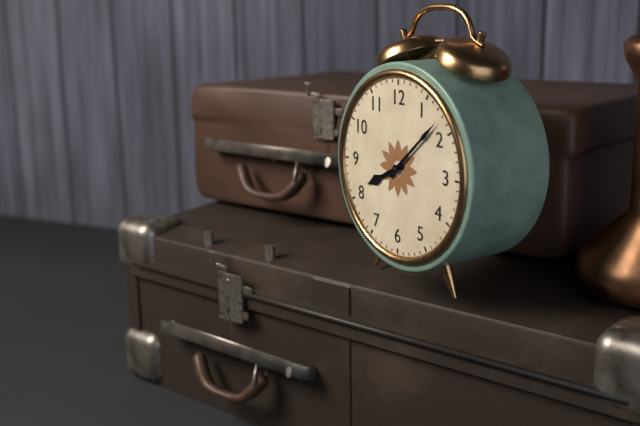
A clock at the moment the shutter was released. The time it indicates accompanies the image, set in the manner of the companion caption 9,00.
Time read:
8,08
